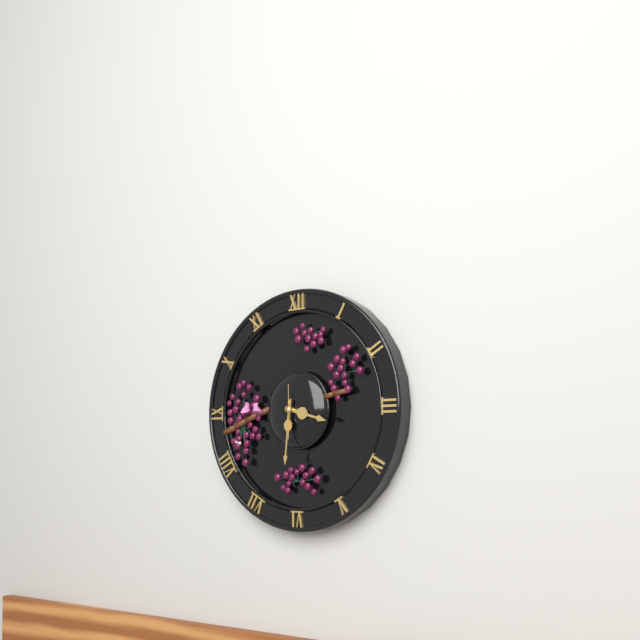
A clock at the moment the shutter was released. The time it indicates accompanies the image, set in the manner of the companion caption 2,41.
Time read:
3,31
